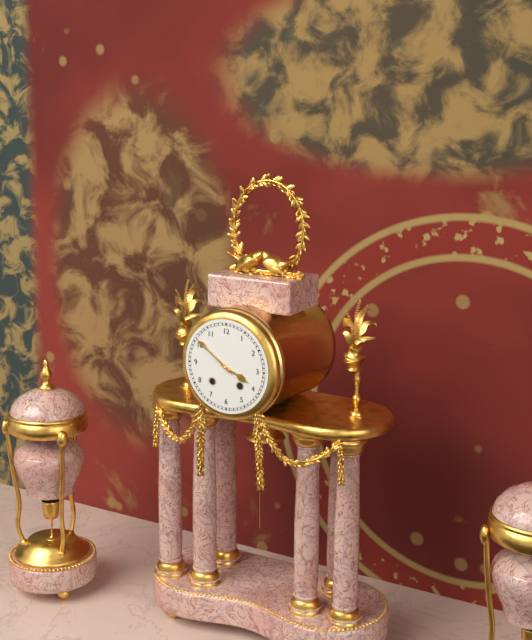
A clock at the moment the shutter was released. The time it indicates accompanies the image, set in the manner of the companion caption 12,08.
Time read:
3,51
